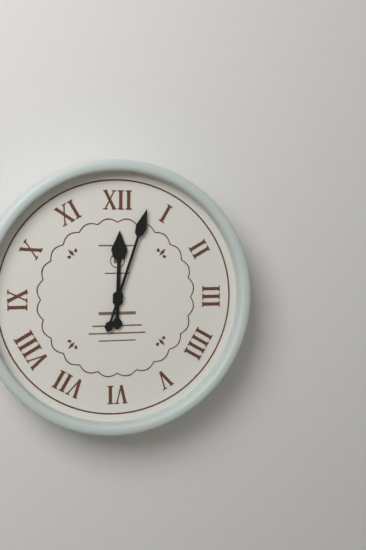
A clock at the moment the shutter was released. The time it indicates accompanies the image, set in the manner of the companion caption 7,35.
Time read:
12,03
